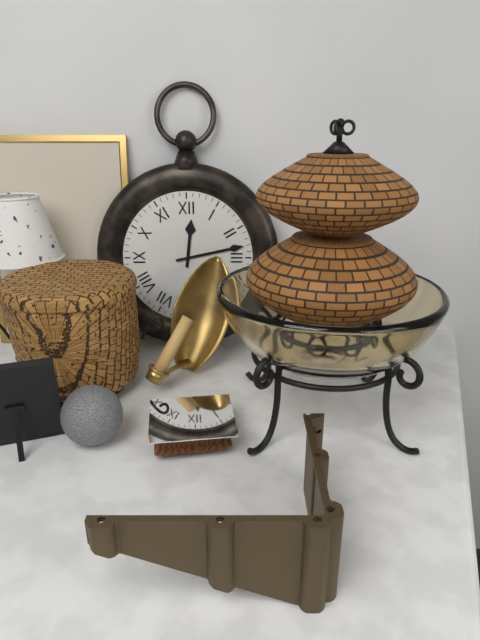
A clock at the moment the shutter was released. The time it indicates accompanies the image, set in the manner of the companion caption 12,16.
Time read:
12,13
